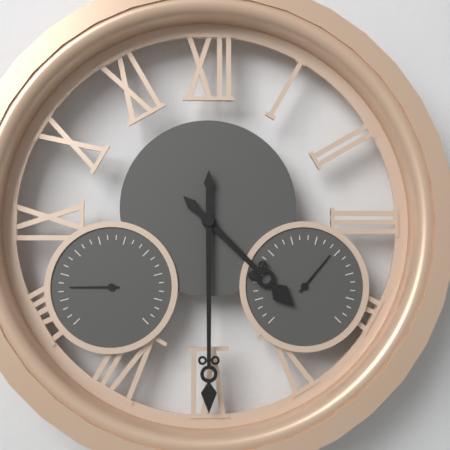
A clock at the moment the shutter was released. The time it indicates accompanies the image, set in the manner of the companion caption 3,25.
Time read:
4,30
